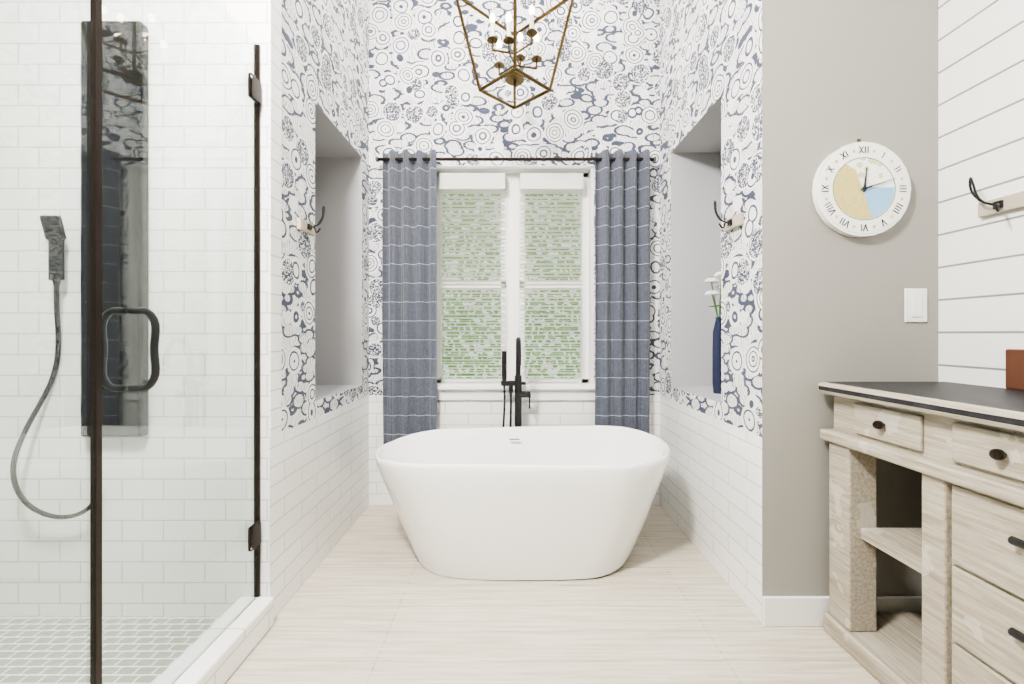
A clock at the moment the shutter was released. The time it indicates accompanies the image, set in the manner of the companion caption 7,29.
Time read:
12,12
